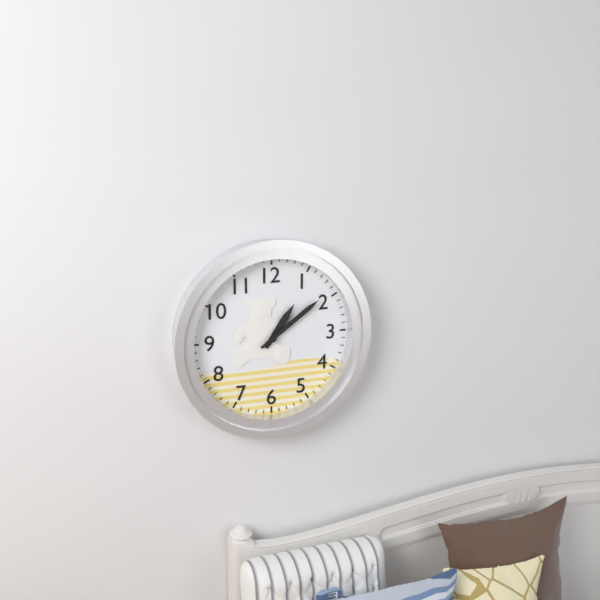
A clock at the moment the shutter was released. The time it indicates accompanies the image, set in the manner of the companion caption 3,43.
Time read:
1,09
